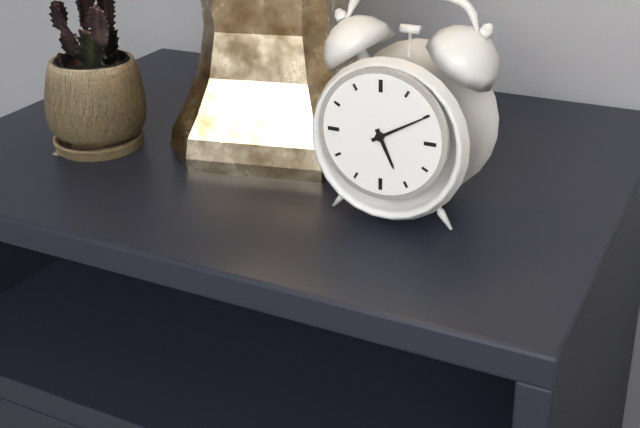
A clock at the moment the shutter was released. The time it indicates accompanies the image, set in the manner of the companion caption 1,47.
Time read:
5,10
